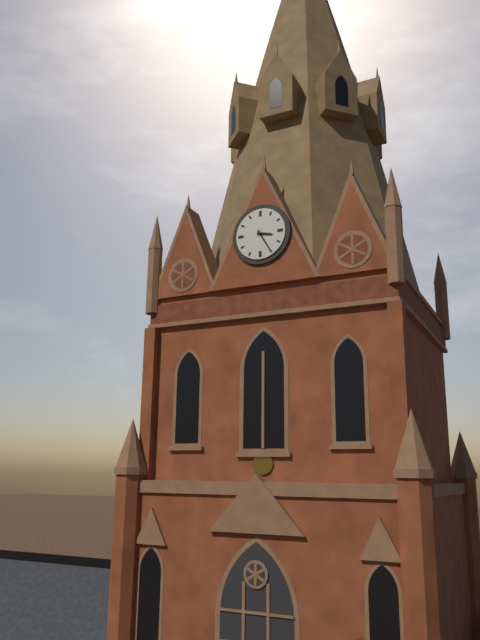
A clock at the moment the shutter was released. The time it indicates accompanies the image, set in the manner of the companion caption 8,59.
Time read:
3,25
